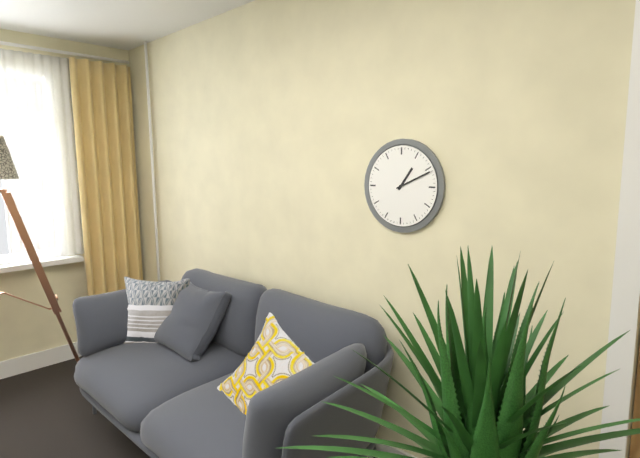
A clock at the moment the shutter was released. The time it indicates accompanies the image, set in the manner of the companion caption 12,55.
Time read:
1,11
